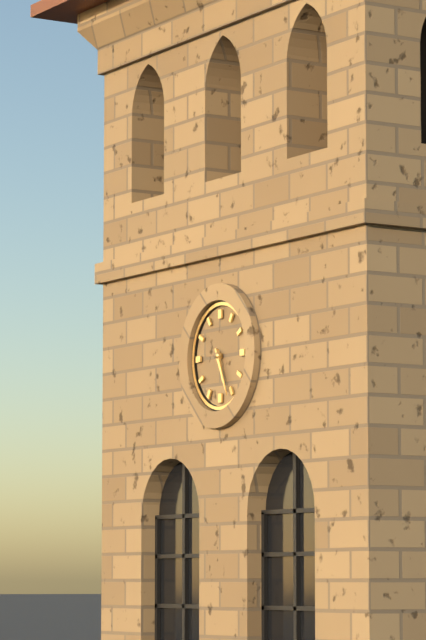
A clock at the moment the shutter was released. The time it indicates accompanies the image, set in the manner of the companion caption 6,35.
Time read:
5,26
